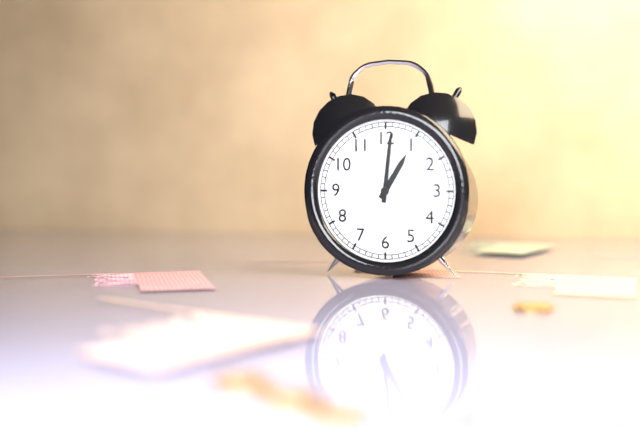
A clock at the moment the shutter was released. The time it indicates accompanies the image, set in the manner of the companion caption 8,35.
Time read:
1,01
